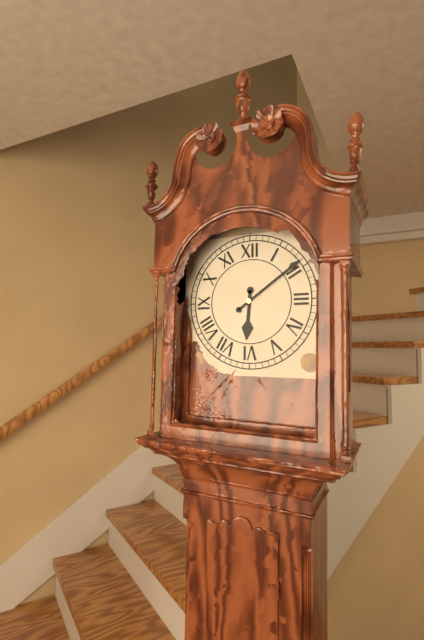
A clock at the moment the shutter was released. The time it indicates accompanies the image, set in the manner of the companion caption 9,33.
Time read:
6,09
